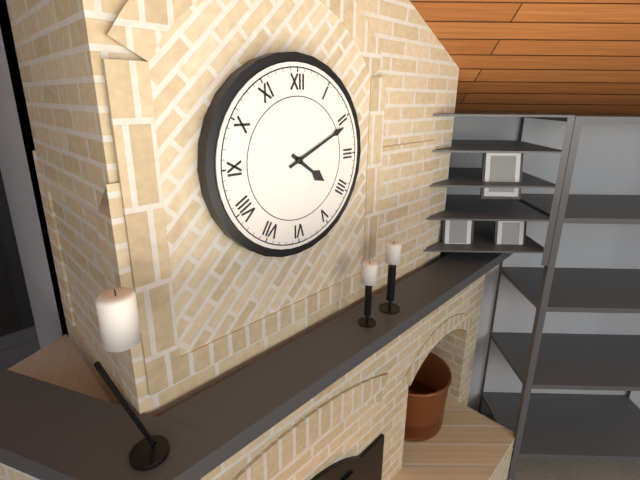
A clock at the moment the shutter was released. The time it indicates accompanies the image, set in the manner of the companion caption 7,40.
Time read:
4,11
